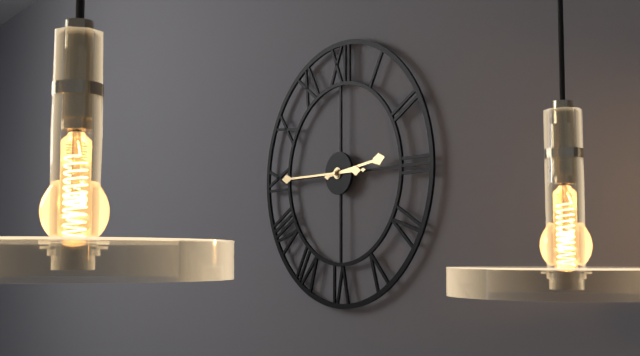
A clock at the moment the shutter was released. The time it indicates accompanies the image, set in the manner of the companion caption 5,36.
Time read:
2,45
